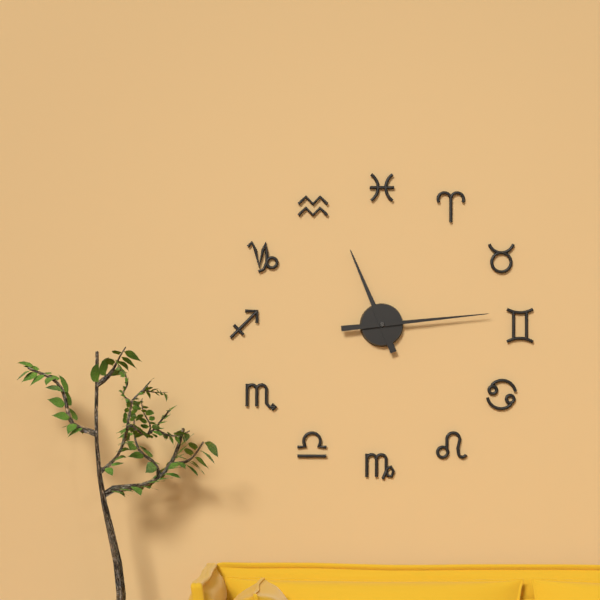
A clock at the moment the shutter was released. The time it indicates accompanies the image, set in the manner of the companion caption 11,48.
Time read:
11,14
